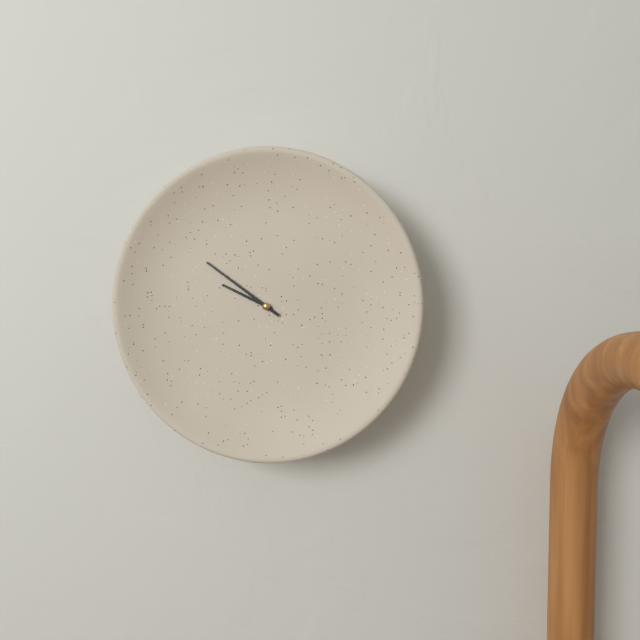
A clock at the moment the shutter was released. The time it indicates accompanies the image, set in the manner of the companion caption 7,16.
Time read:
9,51
